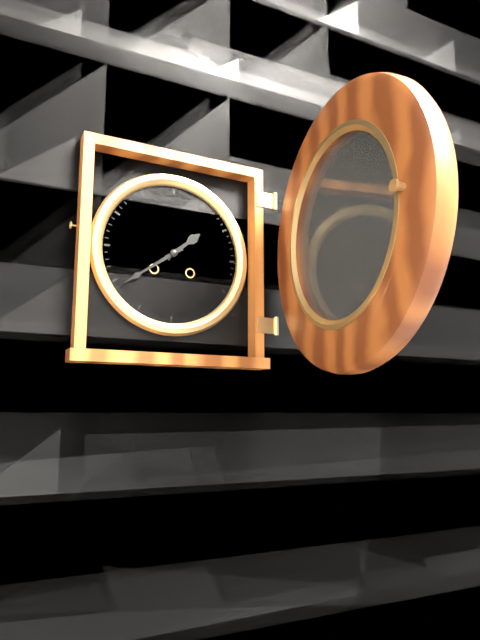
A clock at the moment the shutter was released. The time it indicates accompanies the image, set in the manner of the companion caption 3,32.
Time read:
1,39
